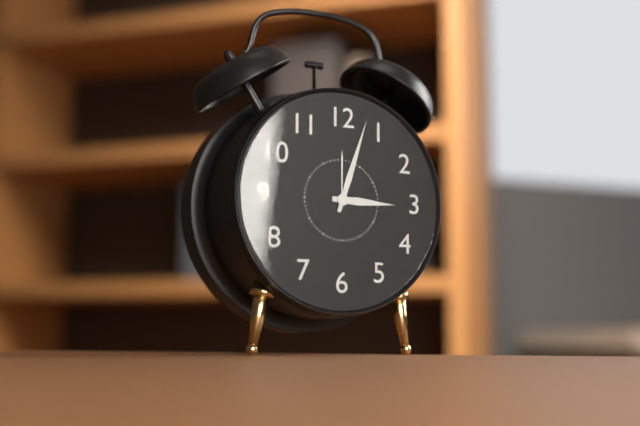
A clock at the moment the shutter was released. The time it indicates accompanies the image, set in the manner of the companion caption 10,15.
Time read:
3,03
